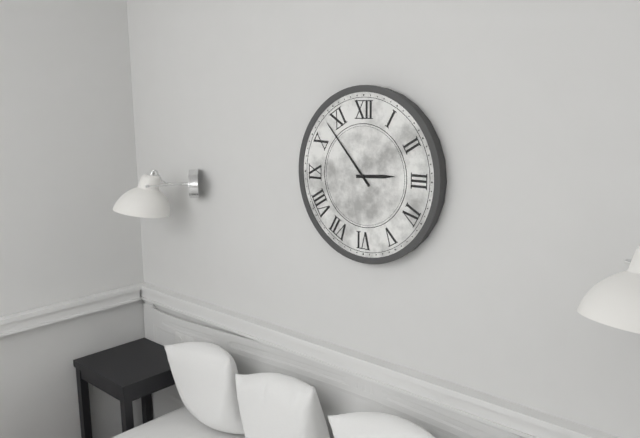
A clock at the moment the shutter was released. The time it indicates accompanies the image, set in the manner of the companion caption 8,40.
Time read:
2,53
